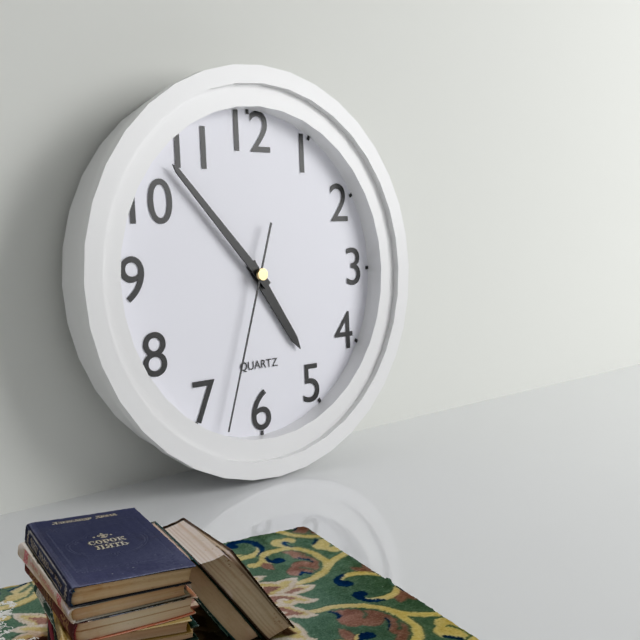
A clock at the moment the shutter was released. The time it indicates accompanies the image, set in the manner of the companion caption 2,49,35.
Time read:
4,53,33
